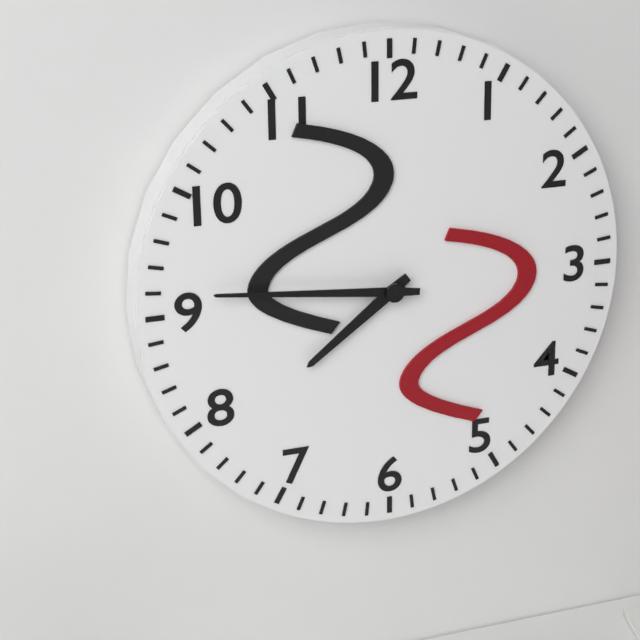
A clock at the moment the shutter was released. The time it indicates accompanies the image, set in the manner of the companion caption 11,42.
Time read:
7,46
